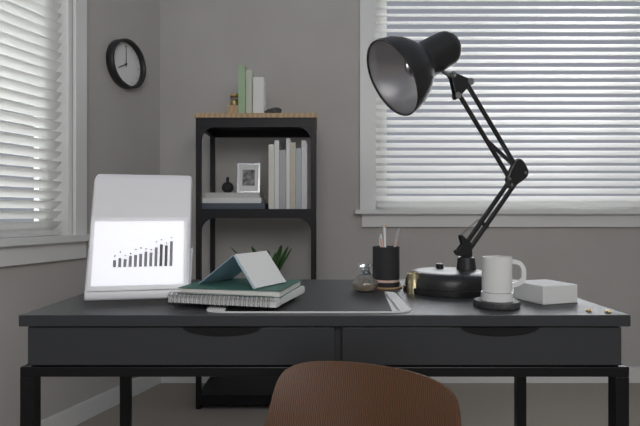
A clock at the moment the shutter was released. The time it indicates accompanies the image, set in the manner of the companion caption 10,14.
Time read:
8,00
